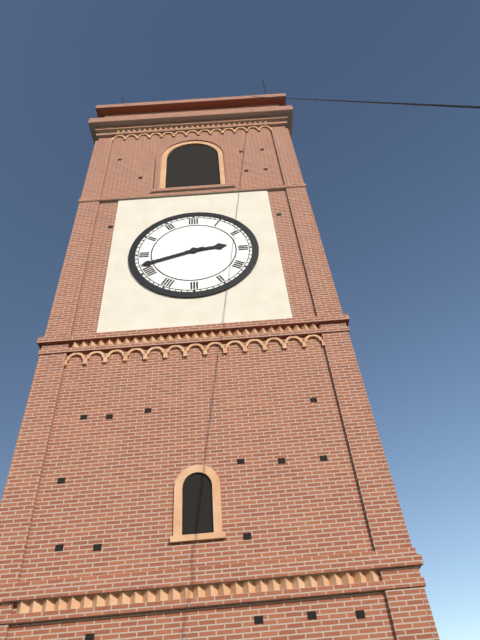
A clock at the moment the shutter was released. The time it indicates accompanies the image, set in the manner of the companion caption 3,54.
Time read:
2,42
